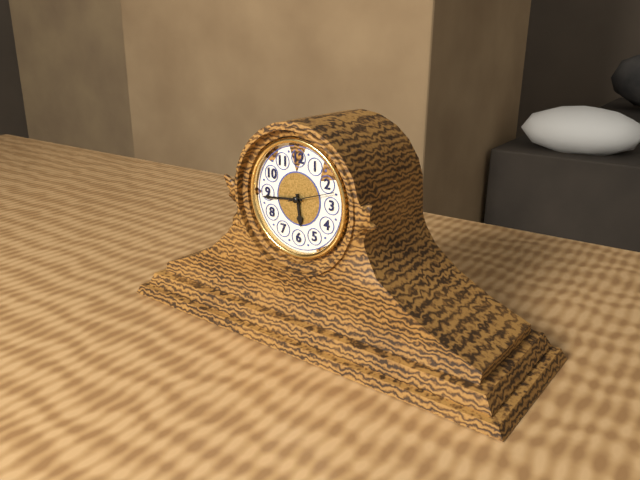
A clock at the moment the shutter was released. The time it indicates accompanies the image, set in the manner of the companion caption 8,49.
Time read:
5,44
